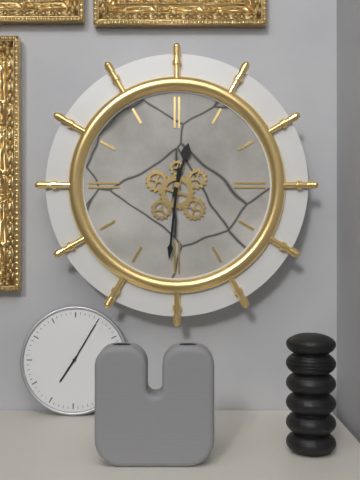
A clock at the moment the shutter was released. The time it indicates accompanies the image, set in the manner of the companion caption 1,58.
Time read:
12,31
